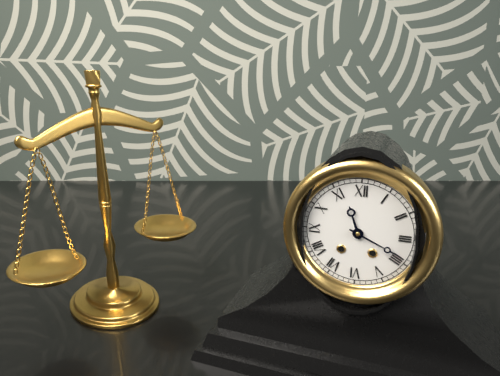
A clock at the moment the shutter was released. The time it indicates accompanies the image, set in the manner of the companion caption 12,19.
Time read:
11,19
